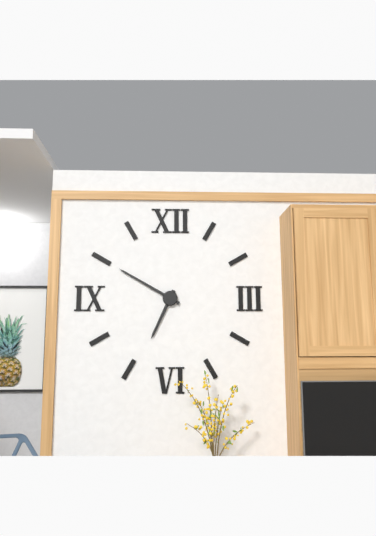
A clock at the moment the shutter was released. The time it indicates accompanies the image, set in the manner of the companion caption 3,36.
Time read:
6,50
